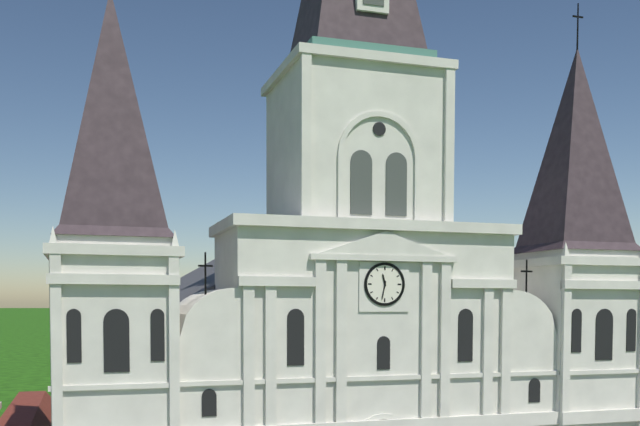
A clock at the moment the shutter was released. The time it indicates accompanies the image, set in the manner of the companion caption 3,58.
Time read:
11,32
